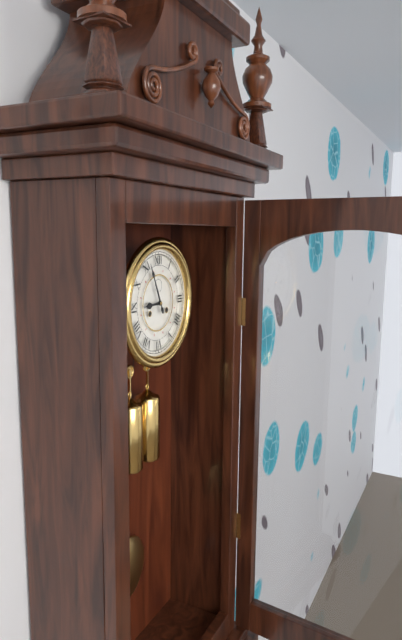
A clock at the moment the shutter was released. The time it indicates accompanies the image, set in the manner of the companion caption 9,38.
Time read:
8,56
